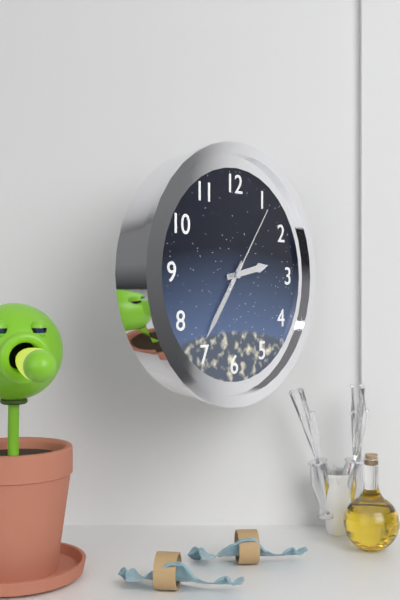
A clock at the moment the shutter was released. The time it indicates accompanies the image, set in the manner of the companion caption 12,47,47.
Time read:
2,36,06
